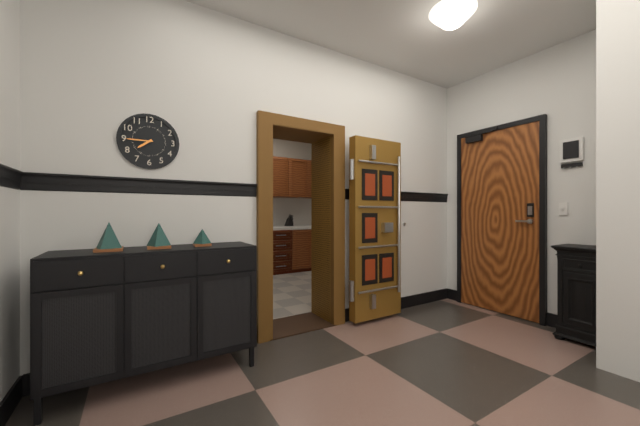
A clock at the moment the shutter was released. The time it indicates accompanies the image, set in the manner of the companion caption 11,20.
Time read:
7,45
